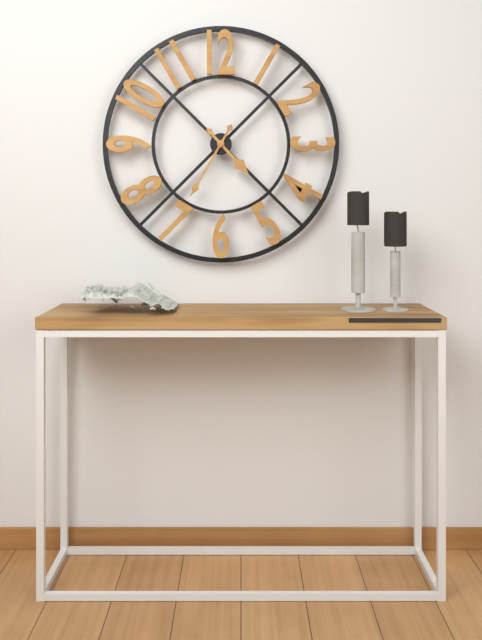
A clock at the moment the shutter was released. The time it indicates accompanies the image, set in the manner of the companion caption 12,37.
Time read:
4,35
